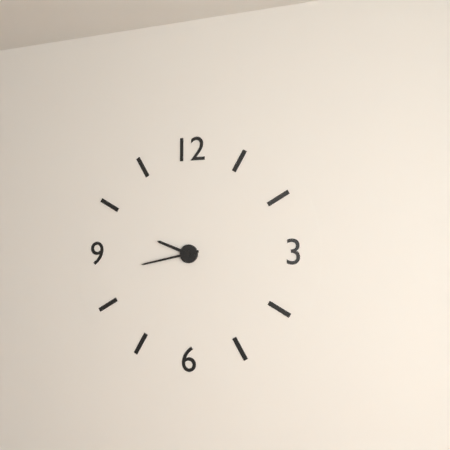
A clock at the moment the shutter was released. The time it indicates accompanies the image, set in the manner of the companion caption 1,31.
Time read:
9,43
